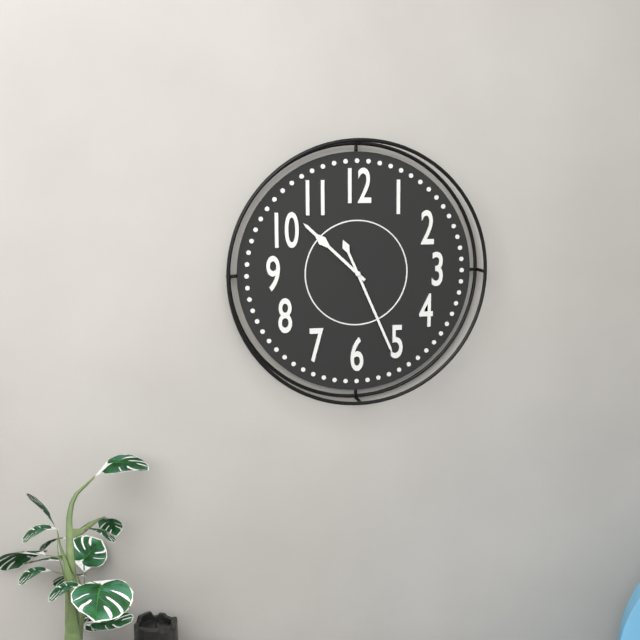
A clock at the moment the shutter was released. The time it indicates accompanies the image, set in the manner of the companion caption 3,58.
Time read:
10,26
